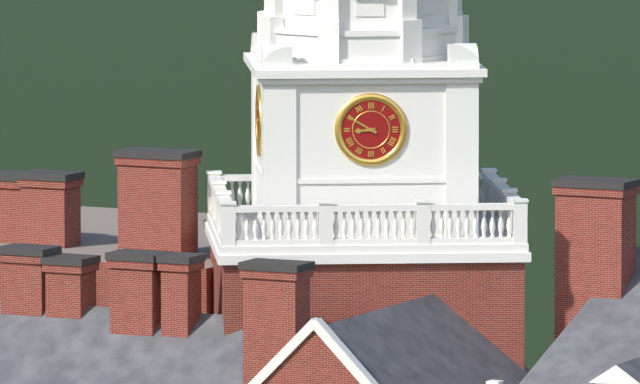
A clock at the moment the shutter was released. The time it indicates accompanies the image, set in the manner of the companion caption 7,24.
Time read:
8,50
